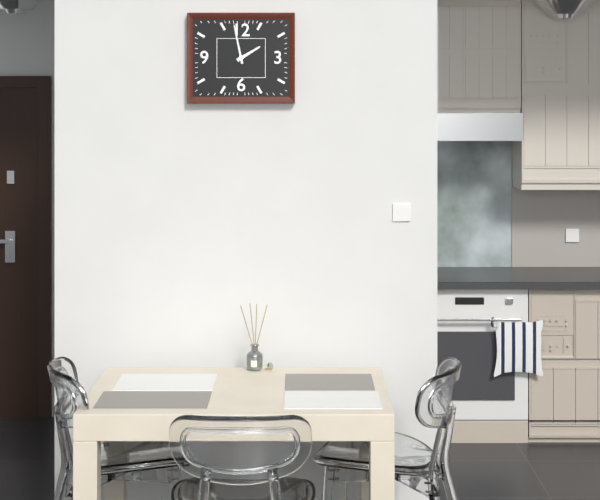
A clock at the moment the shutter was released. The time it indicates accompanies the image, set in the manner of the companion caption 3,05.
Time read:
1,58
